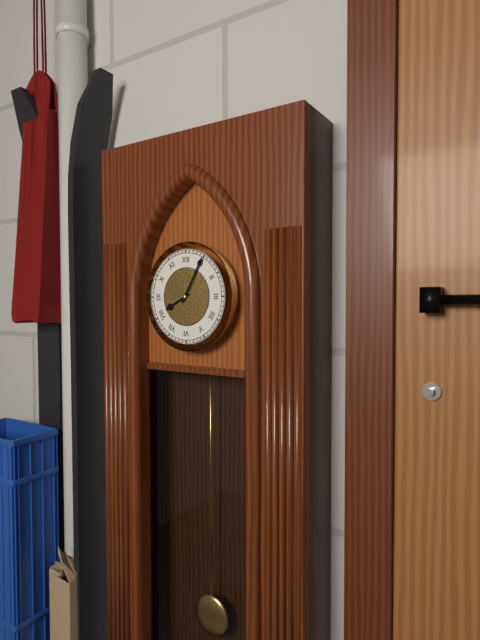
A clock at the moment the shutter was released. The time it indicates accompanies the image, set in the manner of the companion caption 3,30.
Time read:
8,05
